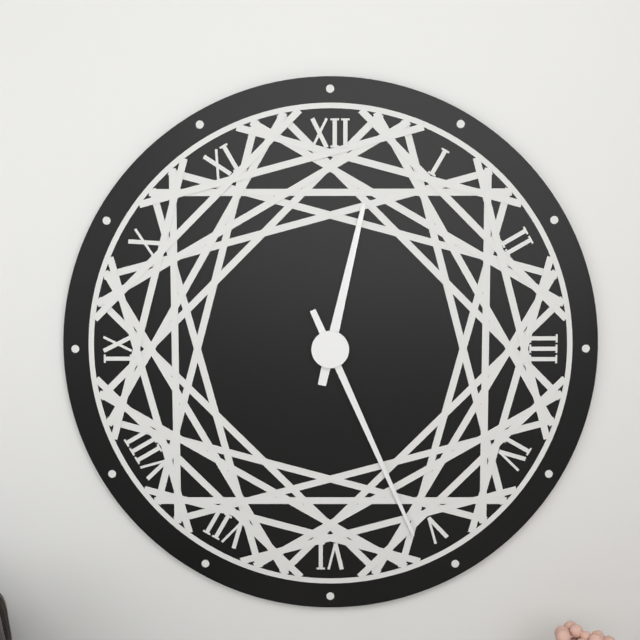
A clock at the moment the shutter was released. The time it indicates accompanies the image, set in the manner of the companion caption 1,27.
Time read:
12,26
